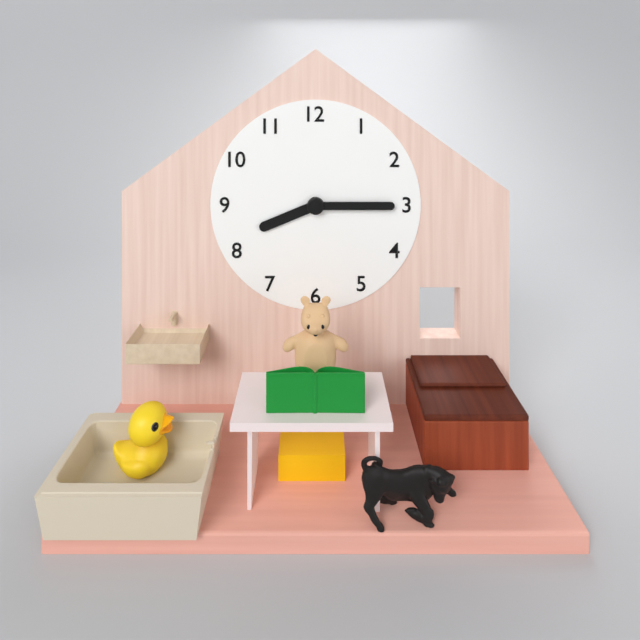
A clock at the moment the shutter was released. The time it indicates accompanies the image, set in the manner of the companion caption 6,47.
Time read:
8,15
